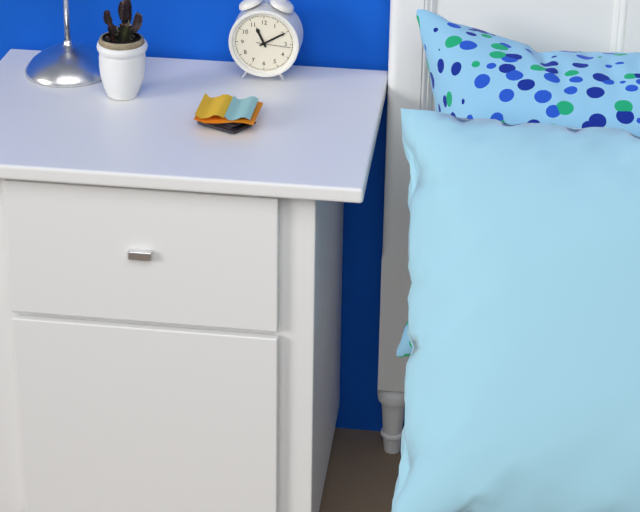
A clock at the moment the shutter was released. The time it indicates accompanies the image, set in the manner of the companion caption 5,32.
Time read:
11,10
